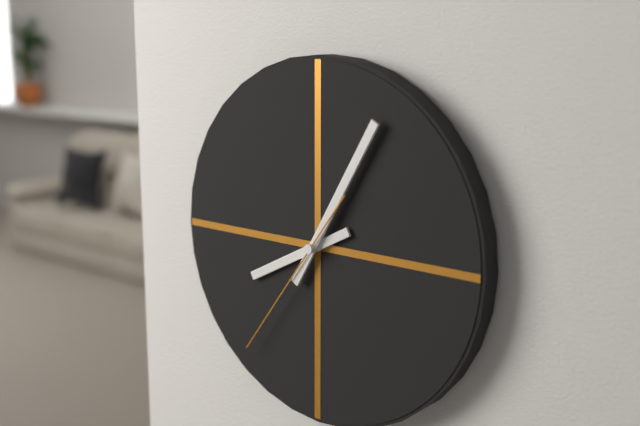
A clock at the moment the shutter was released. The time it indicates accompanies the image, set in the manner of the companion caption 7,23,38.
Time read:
8,05,36
